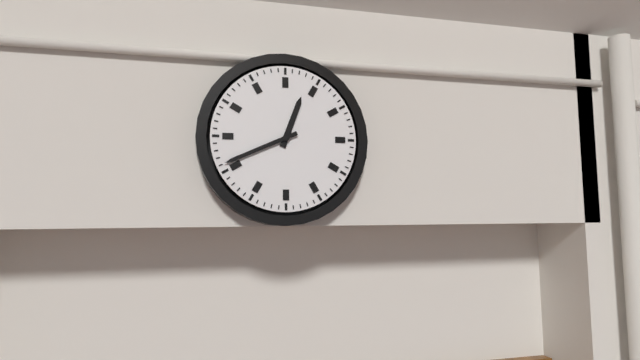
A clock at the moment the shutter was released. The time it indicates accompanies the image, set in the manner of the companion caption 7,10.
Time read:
12,41
